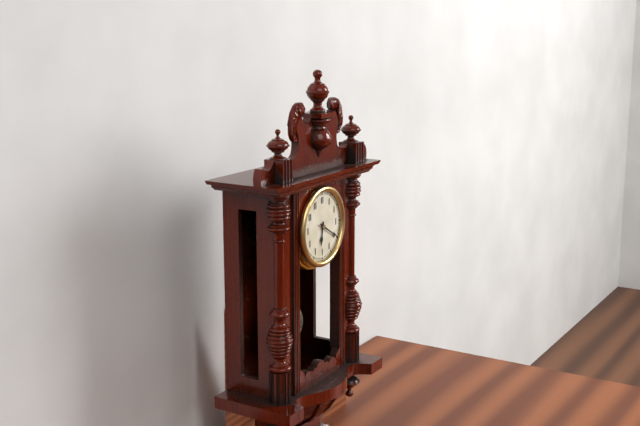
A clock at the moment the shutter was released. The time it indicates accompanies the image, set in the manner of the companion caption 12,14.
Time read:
6,20
